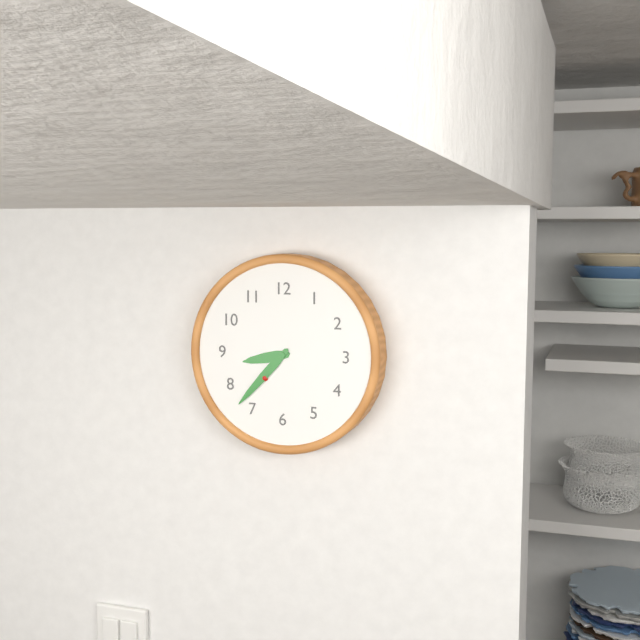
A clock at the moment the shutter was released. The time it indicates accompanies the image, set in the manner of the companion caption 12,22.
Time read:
8,37
